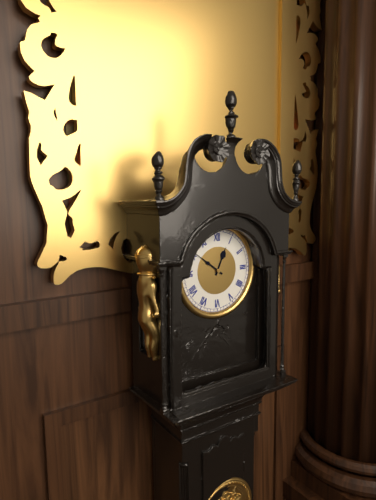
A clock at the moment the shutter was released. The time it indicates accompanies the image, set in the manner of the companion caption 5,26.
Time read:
12,51
